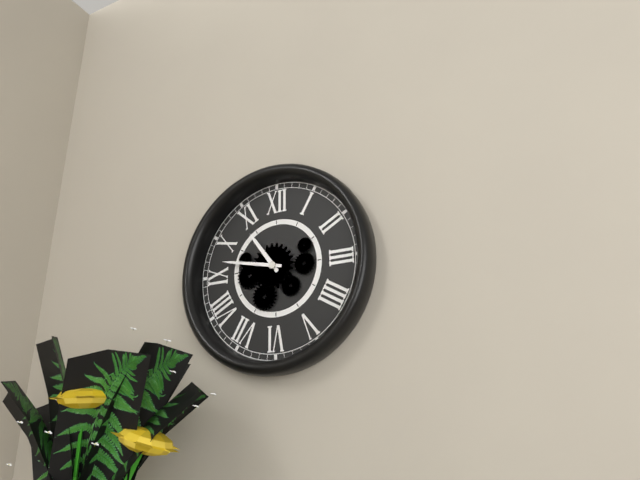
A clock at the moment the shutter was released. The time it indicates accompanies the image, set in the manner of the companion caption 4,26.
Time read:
10,47
